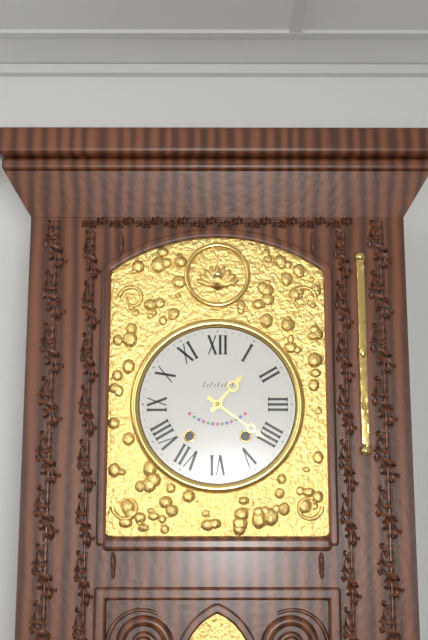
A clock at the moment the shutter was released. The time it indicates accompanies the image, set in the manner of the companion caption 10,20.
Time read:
1,21
